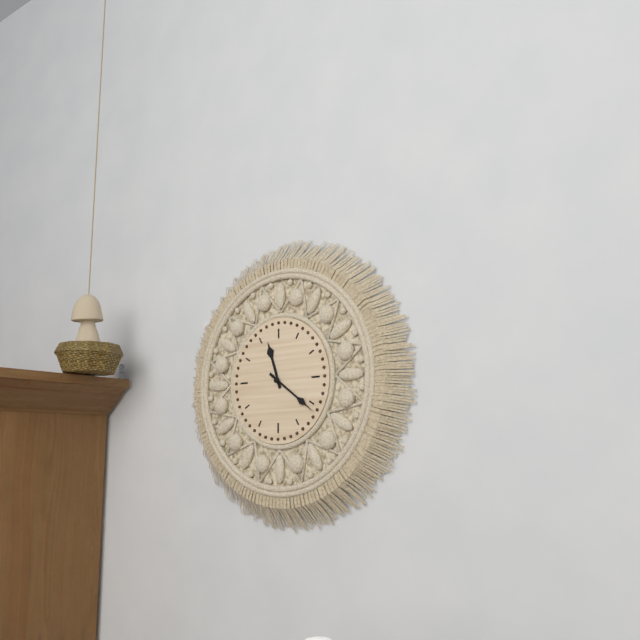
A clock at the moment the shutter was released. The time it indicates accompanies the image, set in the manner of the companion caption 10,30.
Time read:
11,21
